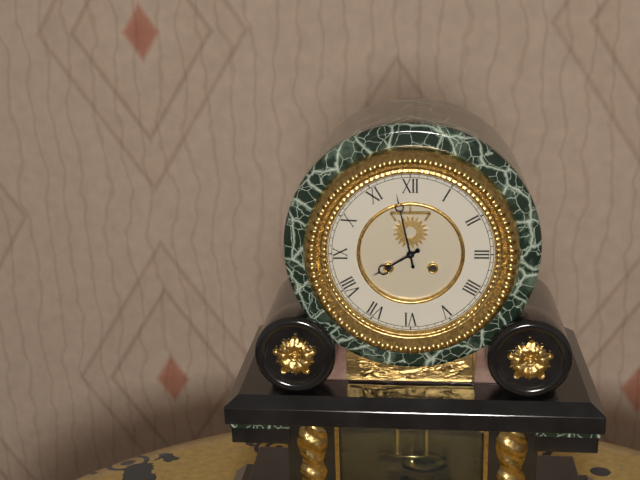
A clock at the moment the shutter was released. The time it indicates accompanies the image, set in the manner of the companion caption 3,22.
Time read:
7,58
